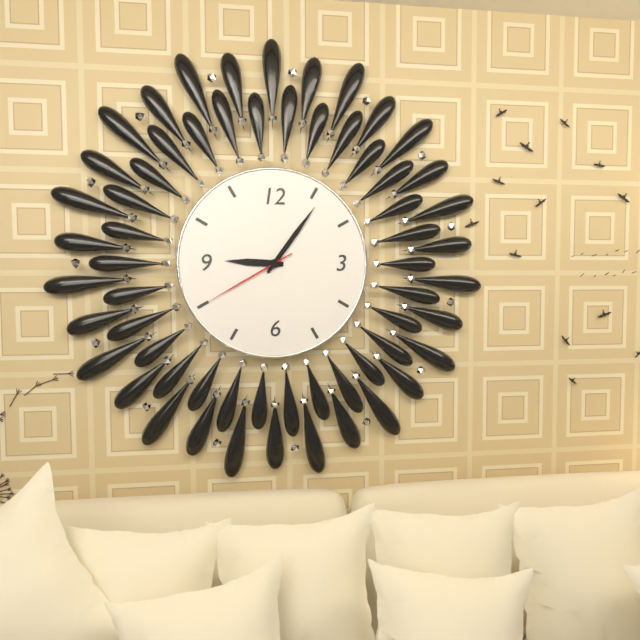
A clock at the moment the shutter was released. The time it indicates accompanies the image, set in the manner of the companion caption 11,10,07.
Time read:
9,06,40
